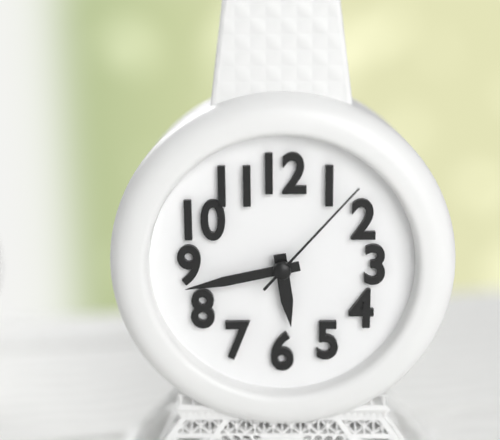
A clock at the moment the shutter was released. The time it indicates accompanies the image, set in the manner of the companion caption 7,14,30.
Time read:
5,43,07
